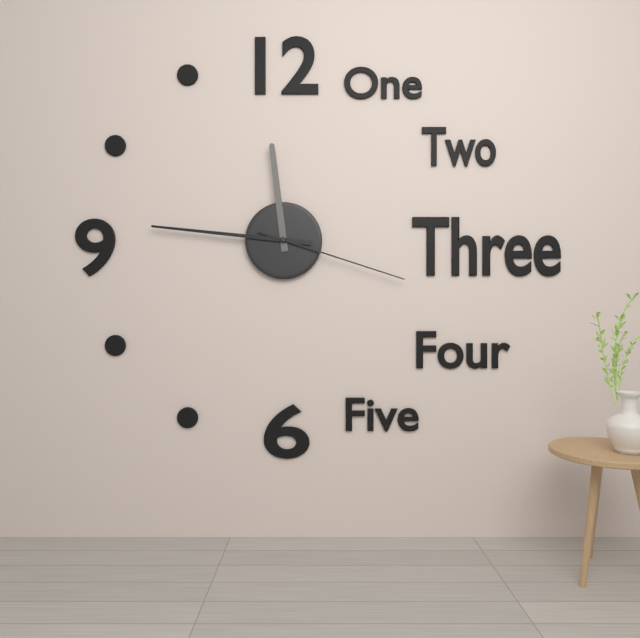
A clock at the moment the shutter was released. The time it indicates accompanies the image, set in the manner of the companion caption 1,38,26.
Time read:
11,46,18
